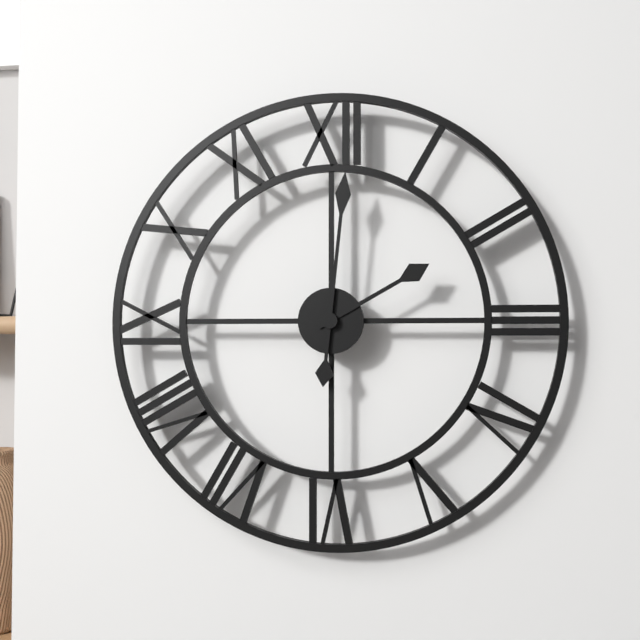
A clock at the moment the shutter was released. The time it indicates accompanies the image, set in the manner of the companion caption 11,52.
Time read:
2,01
